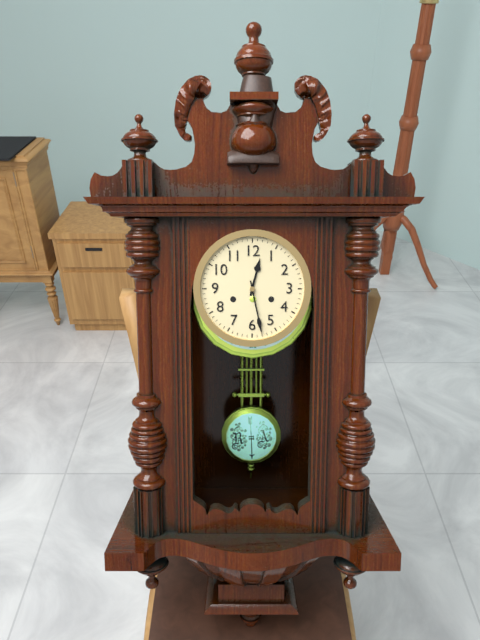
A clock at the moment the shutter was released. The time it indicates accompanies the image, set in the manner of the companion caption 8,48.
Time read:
12,28
